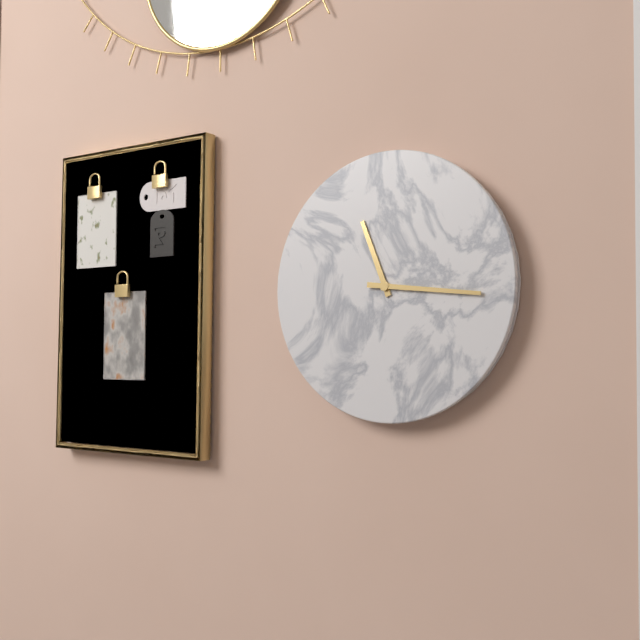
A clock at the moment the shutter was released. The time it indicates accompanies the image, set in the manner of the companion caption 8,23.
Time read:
11,16
